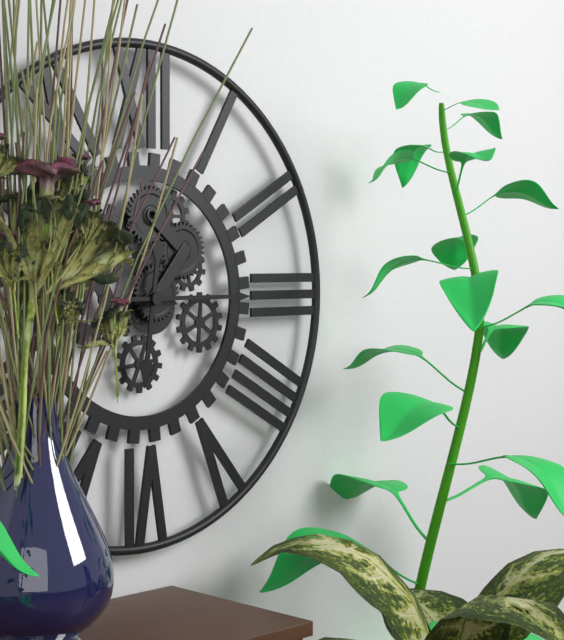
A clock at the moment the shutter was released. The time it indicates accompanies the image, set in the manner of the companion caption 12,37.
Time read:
6,15
